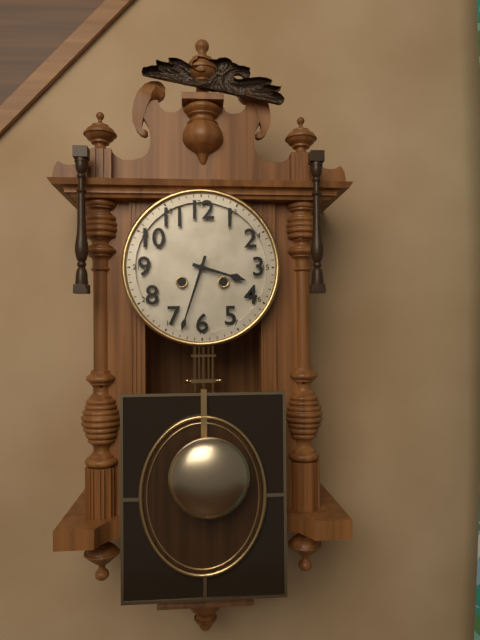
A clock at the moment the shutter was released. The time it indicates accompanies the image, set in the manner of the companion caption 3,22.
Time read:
3,33
